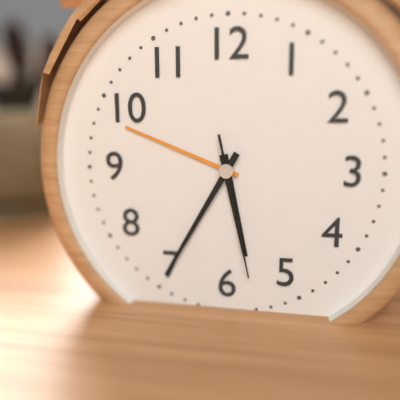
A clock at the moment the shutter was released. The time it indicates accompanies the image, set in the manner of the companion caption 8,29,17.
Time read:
5,35,28
